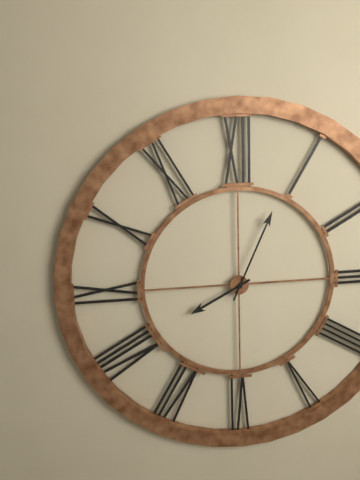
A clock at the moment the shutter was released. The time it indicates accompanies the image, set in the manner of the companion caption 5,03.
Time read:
8,04
